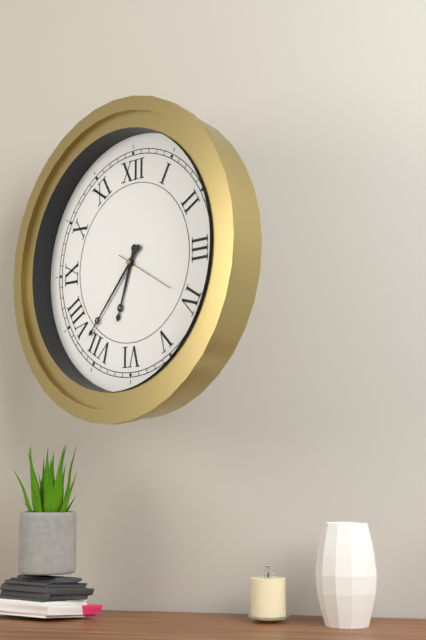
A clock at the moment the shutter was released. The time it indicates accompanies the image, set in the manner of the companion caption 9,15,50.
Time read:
6,37,20
